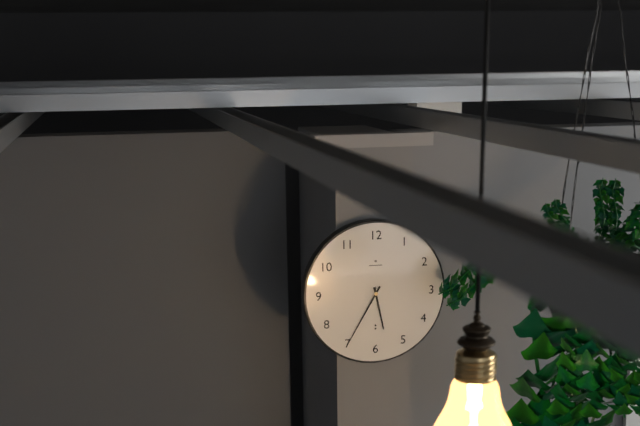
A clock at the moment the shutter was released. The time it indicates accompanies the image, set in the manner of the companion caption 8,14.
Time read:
5,35
